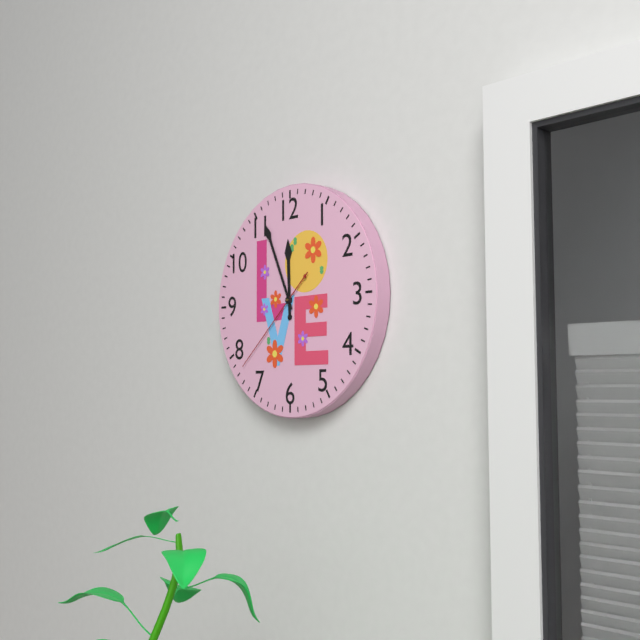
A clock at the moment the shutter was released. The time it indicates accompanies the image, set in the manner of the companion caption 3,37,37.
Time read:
11,56,38
